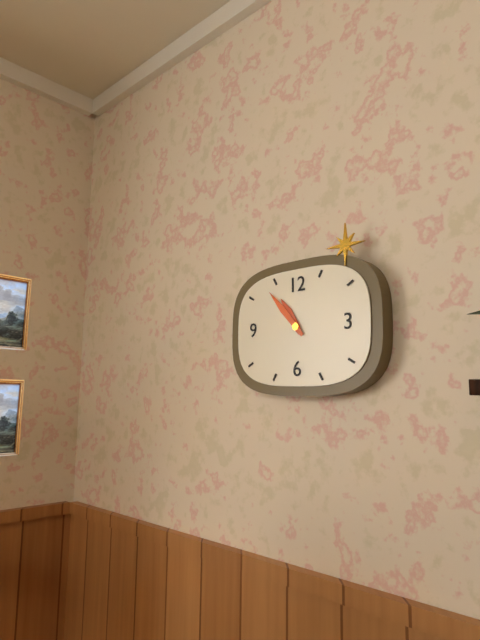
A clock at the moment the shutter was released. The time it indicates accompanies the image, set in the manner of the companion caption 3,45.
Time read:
10,53
